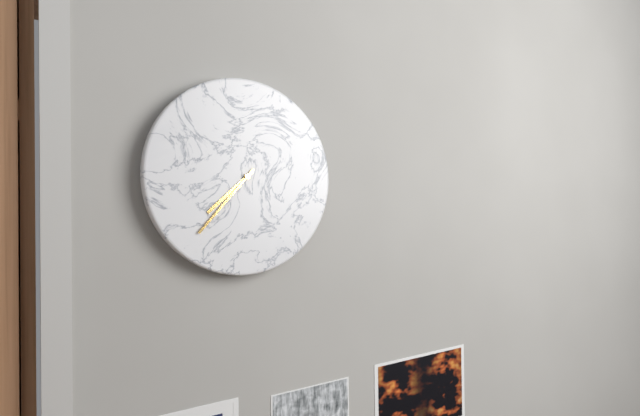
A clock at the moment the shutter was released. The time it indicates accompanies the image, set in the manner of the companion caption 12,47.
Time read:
7,37
